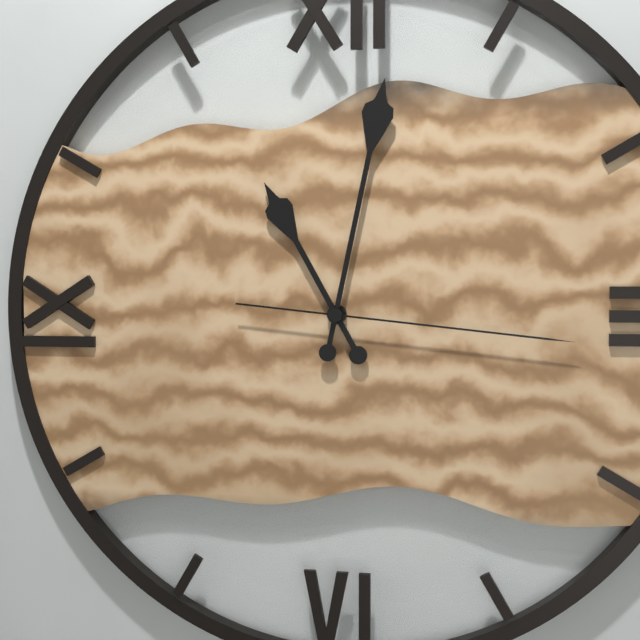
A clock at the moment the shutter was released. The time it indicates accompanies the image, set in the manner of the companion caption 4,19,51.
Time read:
11,02,16
